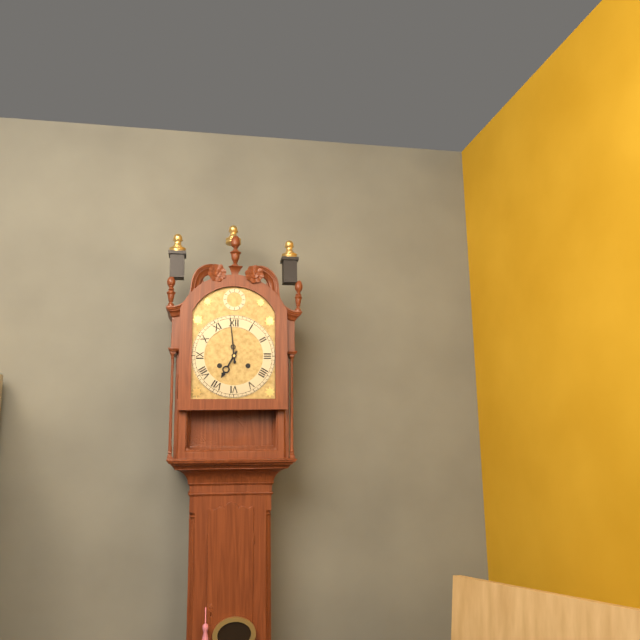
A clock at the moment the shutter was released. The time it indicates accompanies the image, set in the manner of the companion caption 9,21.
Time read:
6,59
